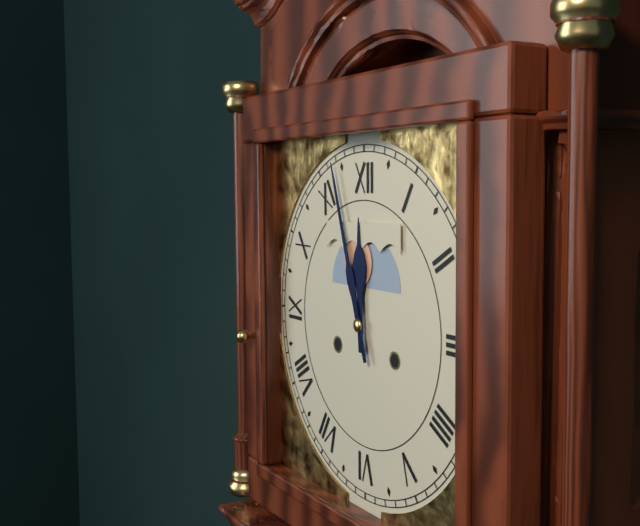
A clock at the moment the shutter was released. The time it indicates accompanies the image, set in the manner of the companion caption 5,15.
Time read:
11,57
